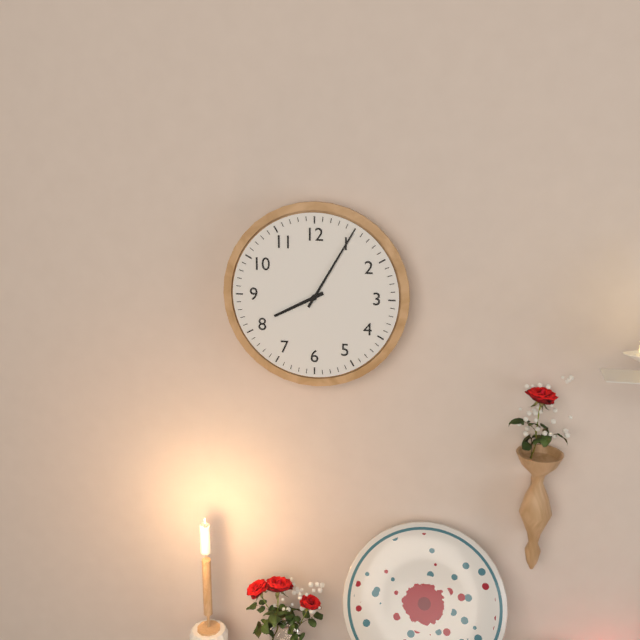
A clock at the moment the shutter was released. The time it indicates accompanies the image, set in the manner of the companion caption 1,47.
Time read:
8,05
